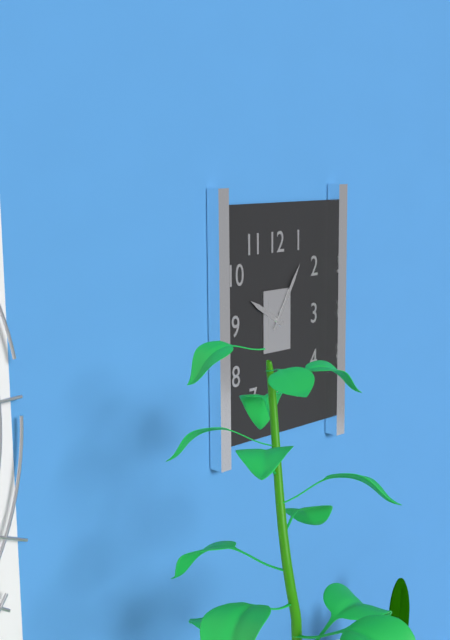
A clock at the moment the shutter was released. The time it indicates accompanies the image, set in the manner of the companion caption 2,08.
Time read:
10,05
